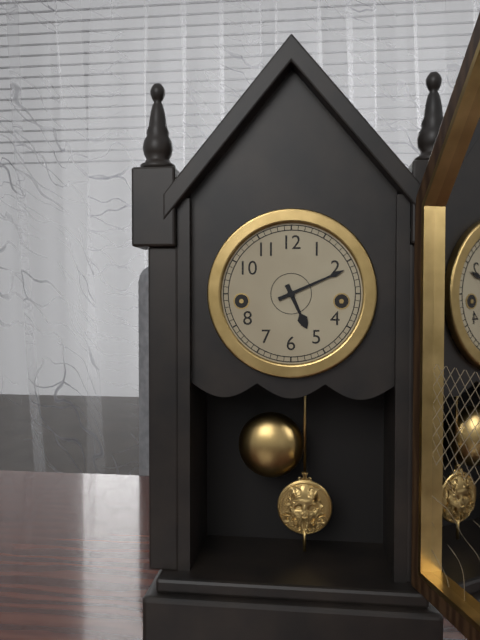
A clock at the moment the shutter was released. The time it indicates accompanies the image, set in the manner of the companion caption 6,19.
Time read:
5,11
